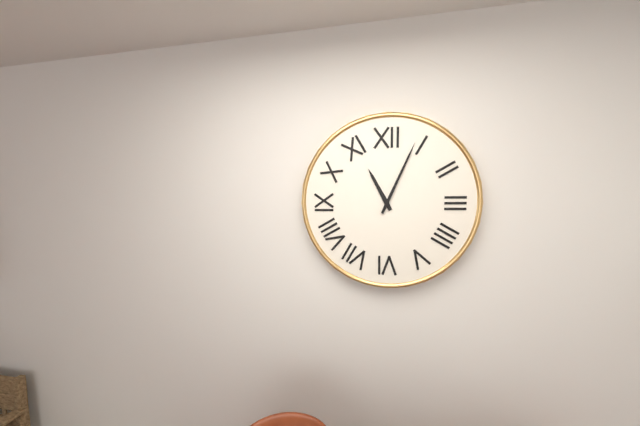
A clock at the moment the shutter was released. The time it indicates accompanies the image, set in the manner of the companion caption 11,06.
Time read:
11,04
